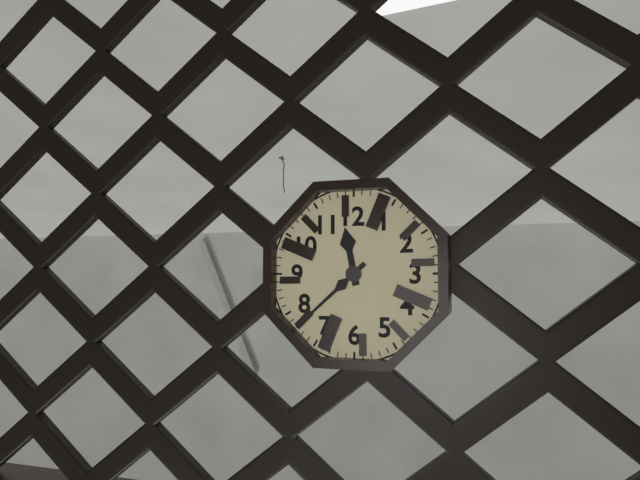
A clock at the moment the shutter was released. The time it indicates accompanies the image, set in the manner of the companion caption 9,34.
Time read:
11,38
